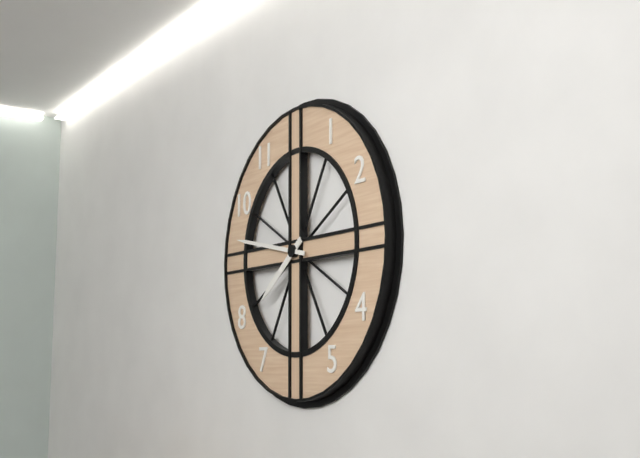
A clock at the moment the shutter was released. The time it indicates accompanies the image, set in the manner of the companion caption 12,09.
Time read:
7,47
